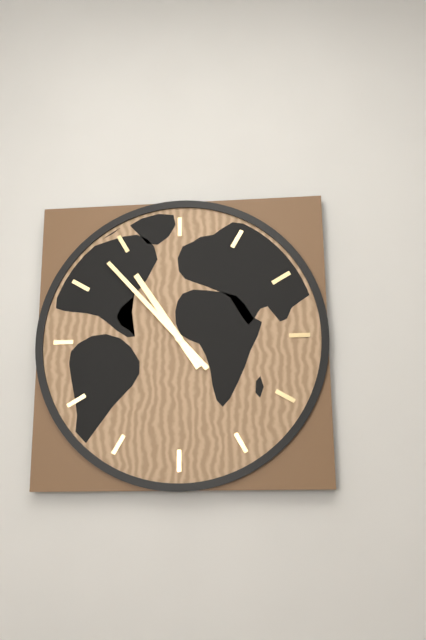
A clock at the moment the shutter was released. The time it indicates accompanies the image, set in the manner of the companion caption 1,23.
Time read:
10,53
